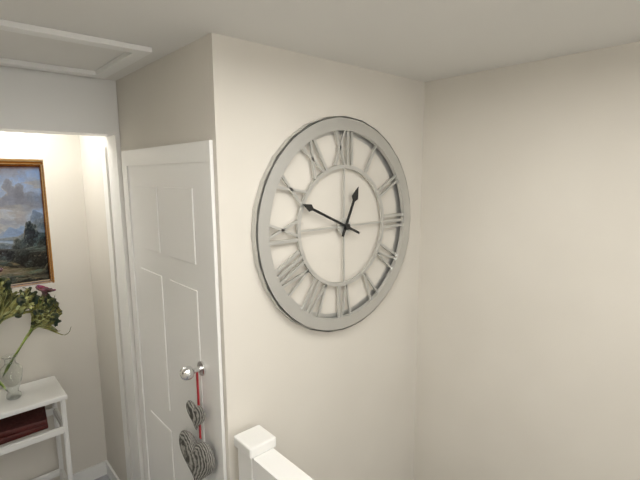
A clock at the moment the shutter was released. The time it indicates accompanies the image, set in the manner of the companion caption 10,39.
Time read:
12,49
